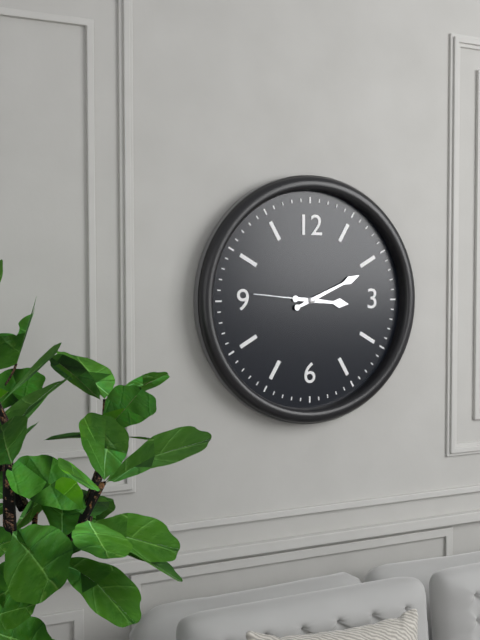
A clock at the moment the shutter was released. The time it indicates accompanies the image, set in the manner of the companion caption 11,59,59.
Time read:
3,11,46
